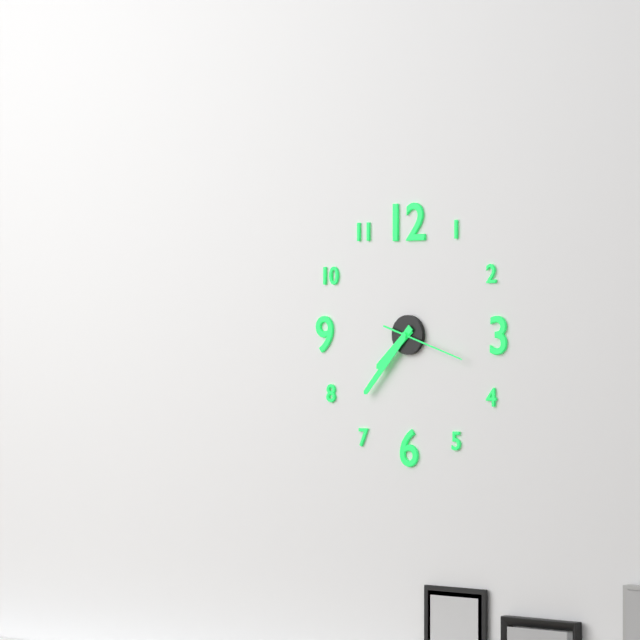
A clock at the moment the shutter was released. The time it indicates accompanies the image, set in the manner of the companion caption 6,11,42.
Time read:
7,37,18
